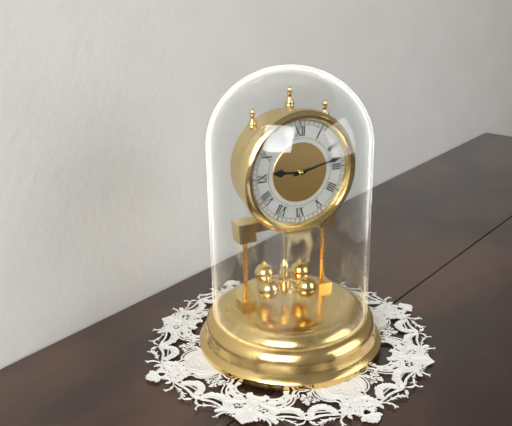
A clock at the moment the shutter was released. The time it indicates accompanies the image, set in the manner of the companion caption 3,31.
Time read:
9,13
